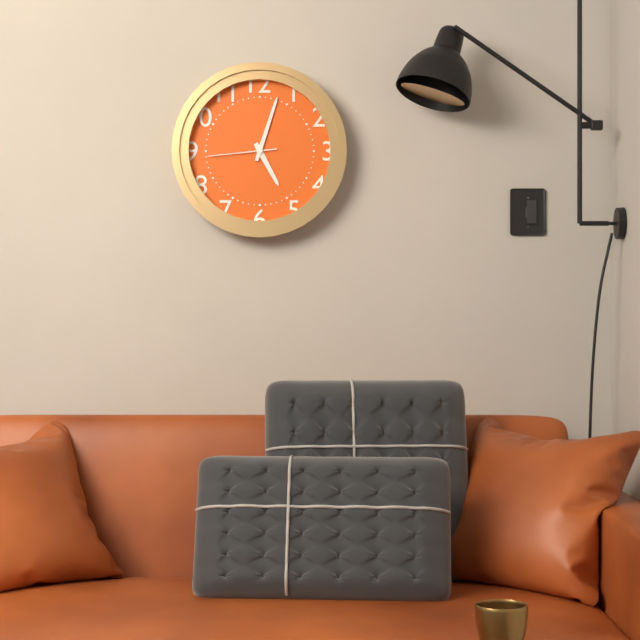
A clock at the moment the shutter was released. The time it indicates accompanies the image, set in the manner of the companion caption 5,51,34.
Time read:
5,03,44
